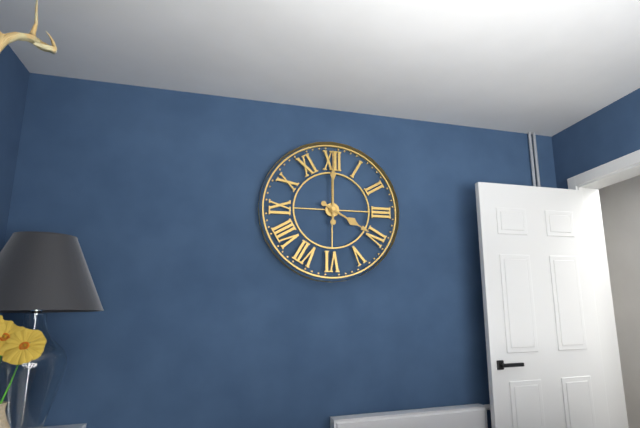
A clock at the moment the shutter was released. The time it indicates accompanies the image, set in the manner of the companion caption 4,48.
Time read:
4,00
